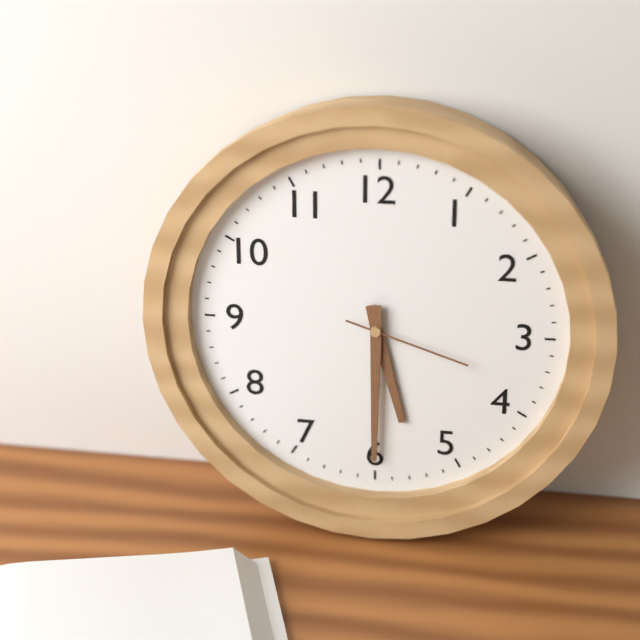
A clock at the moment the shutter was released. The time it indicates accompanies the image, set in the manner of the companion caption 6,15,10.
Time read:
5,30,18
